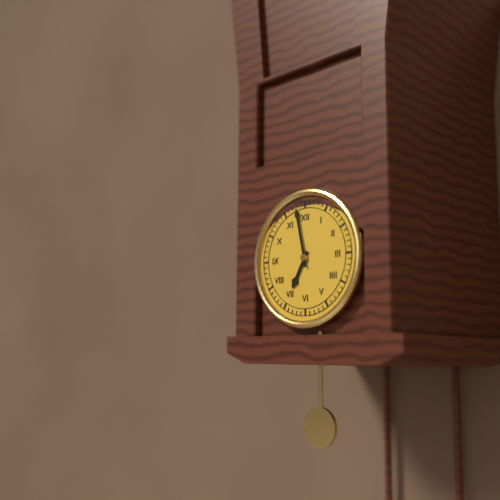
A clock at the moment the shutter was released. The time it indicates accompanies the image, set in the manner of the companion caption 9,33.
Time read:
6,58
